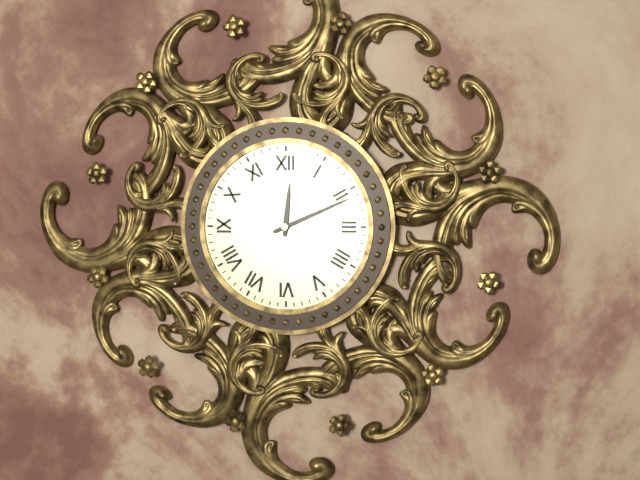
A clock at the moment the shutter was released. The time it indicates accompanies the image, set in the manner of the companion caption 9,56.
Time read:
12,11
